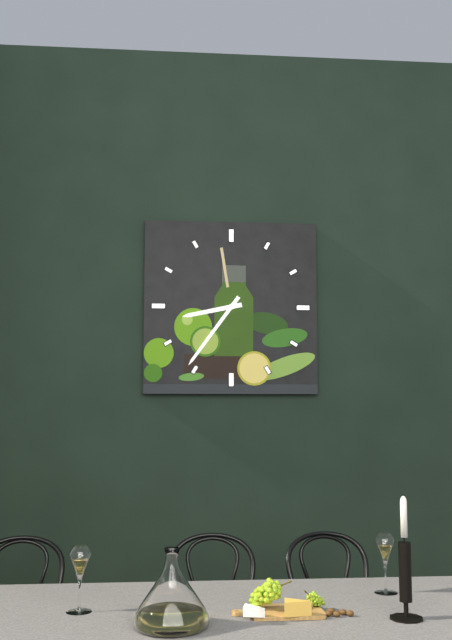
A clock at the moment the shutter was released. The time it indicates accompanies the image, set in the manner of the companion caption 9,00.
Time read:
8,36
